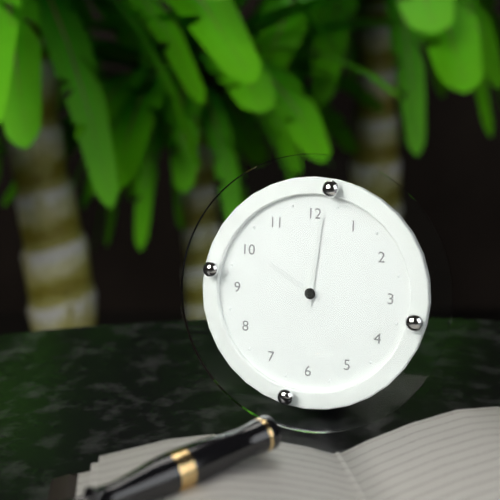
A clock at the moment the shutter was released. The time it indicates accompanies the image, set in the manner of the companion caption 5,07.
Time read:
10,01
